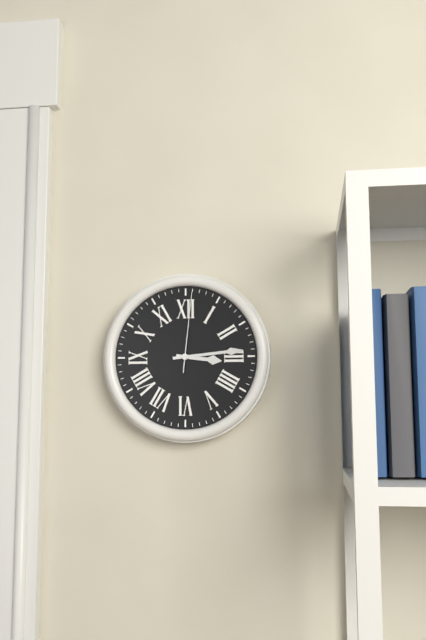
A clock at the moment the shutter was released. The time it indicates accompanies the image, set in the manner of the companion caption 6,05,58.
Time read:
3,14,01
